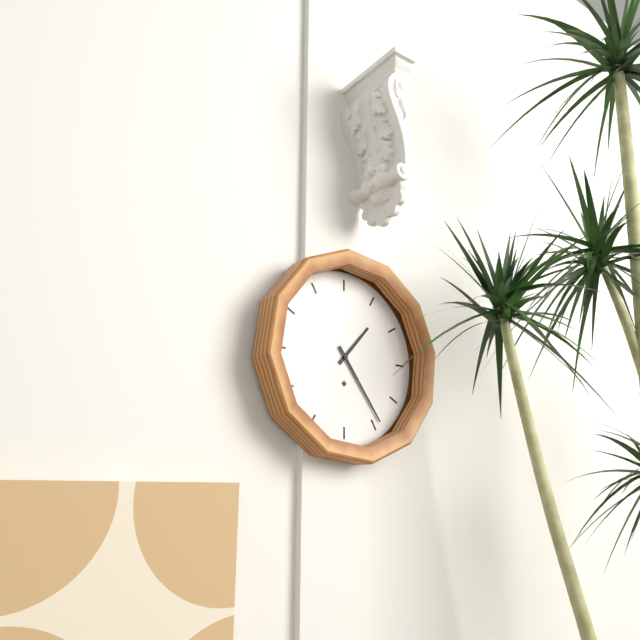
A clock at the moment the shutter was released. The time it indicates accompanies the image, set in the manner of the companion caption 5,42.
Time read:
1,24
